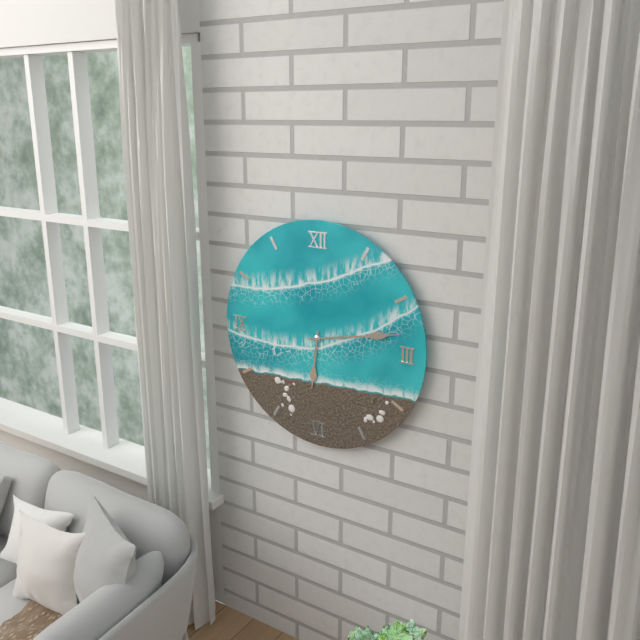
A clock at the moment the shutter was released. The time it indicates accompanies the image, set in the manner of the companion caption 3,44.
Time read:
6,13
